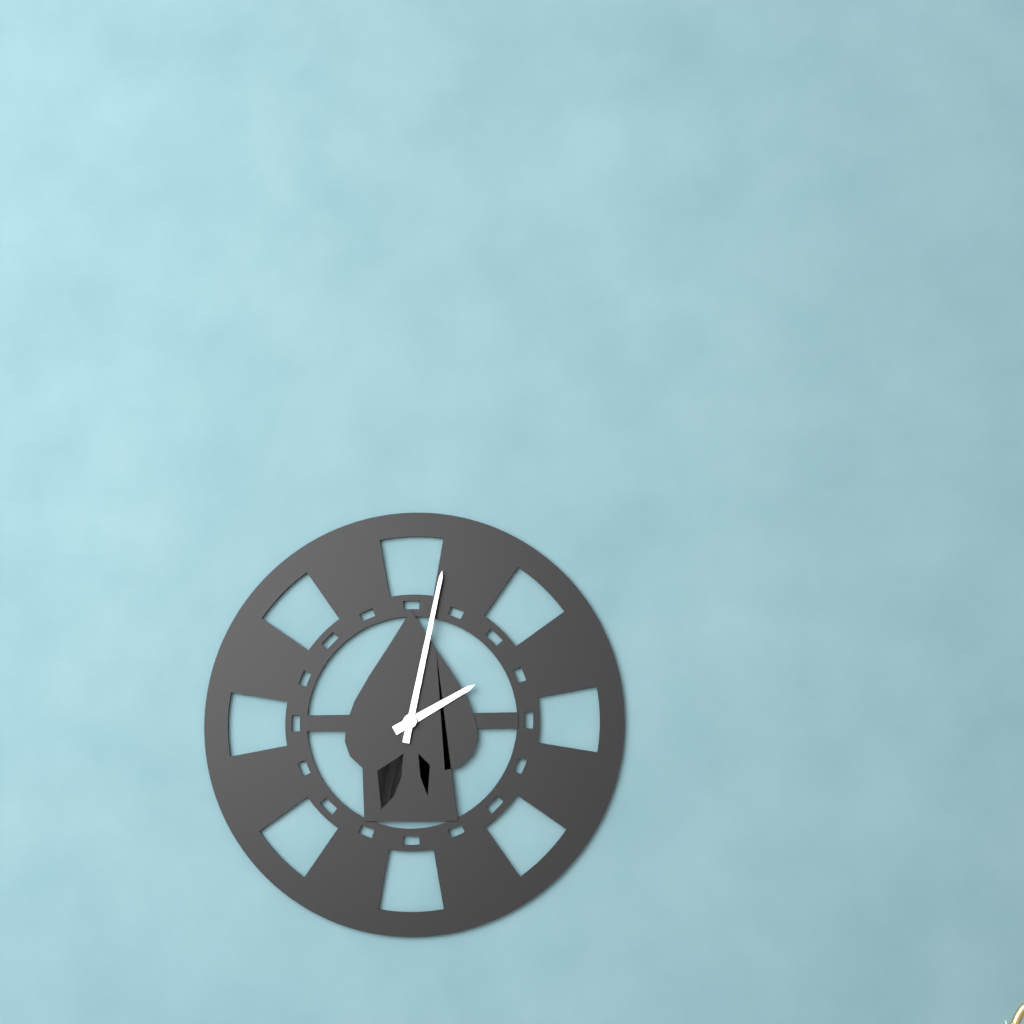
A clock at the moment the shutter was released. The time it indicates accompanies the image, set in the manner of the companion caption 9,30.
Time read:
2,02
